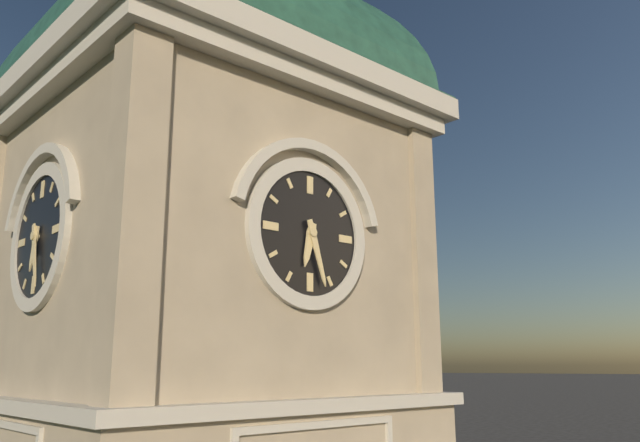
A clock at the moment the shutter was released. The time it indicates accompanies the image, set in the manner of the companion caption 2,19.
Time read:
6,27
